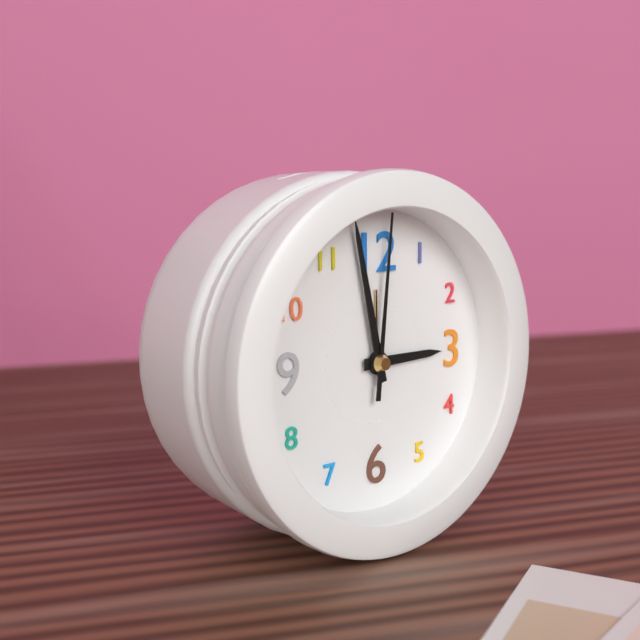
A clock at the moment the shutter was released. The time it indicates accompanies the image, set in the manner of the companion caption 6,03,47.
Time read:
2,58,01
